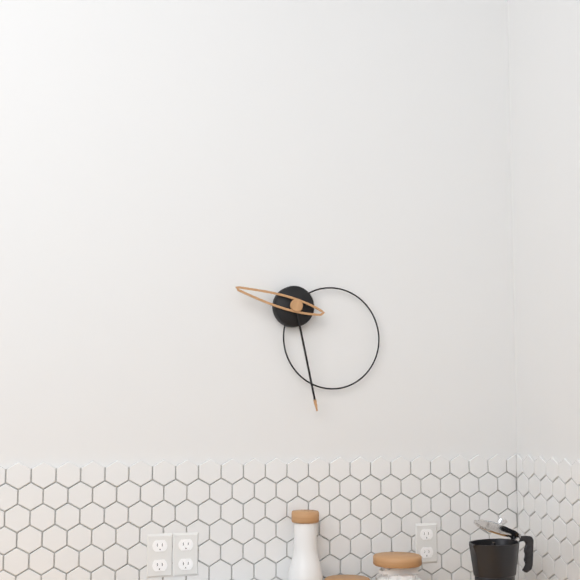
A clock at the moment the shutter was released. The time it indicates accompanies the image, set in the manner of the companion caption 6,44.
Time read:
9,28
